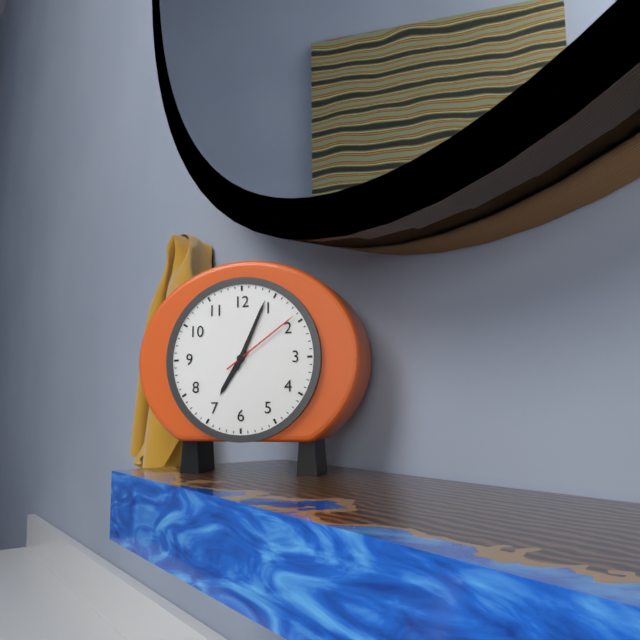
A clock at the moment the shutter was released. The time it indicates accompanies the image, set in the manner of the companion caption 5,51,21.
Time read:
7,04,09
